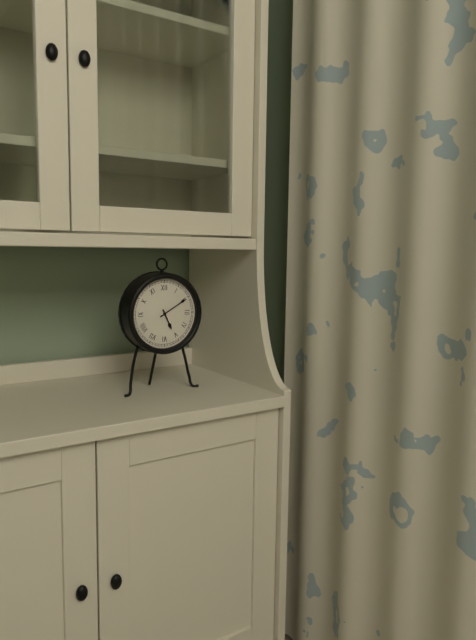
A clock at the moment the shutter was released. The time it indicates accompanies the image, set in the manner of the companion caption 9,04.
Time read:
5,10
